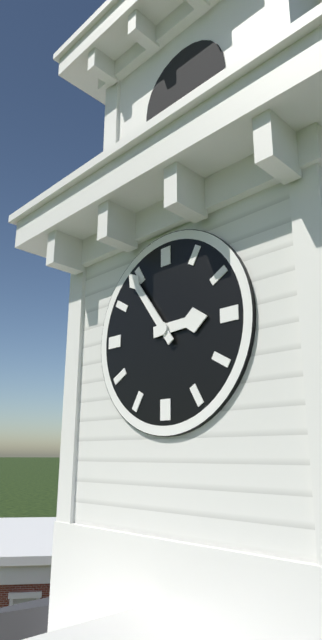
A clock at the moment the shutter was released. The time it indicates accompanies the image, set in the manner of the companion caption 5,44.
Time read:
2,54
